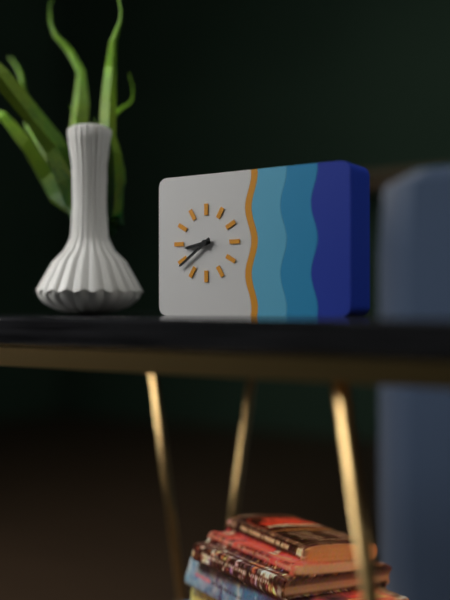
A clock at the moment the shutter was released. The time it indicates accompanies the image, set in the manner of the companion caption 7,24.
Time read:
8,39
